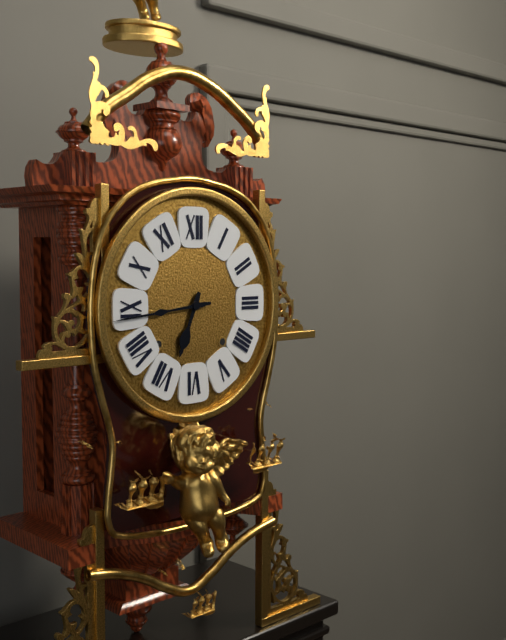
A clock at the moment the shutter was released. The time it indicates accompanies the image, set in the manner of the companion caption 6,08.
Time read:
6,44
